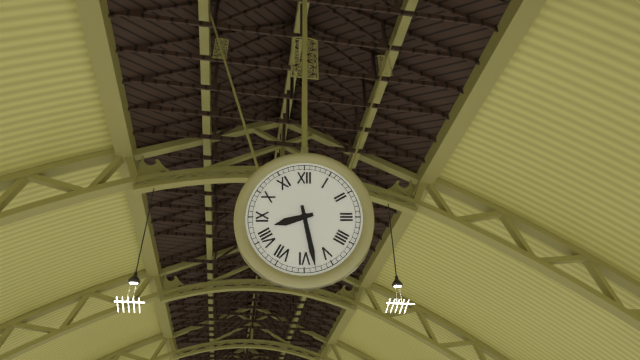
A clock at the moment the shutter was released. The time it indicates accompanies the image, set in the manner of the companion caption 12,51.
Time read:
8,28
